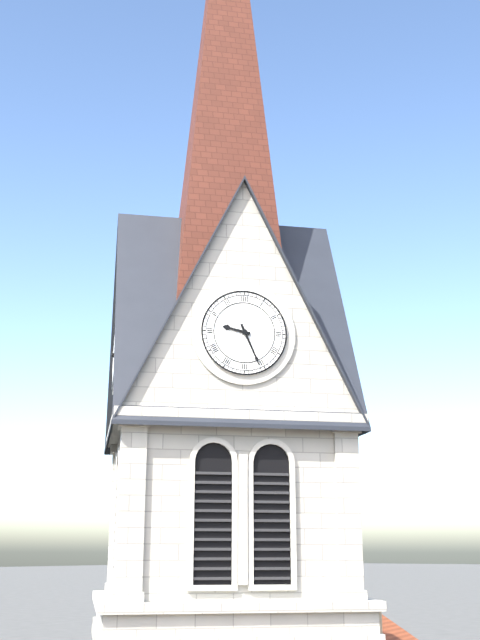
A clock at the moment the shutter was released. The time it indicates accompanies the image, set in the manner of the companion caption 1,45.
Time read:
9,26
